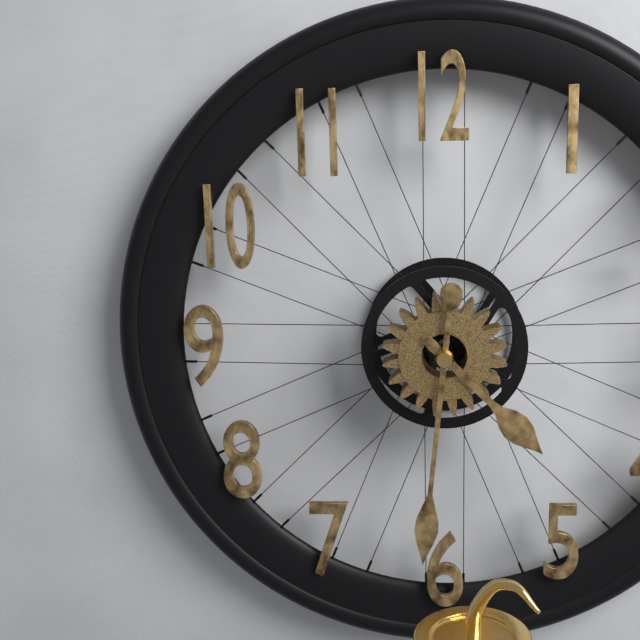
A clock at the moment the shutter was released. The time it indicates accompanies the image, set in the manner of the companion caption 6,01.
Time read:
4,31
